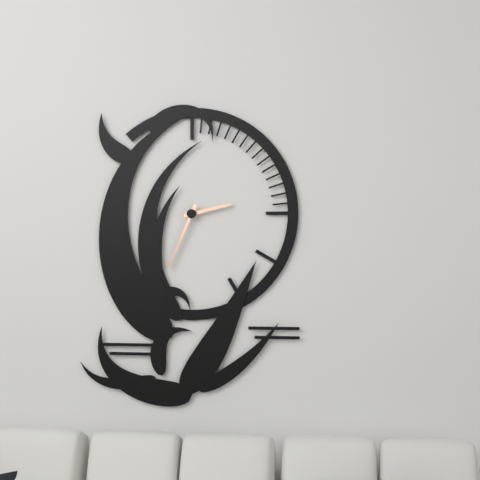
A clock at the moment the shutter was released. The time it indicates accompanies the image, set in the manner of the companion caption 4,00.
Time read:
2,34
